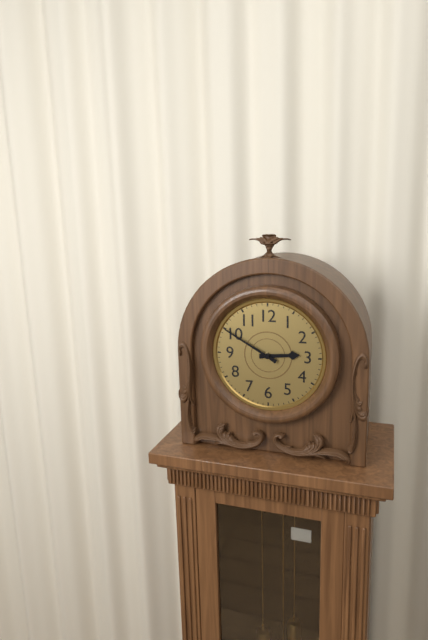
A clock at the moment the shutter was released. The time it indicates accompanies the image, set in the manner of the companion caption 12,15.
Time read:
2,50
